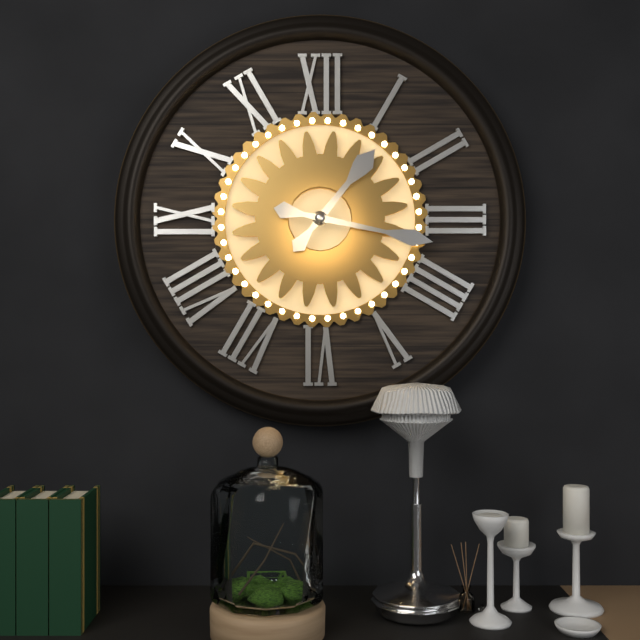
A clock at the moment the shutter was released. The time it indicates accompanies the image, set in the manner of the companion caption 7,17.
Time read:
1,17
